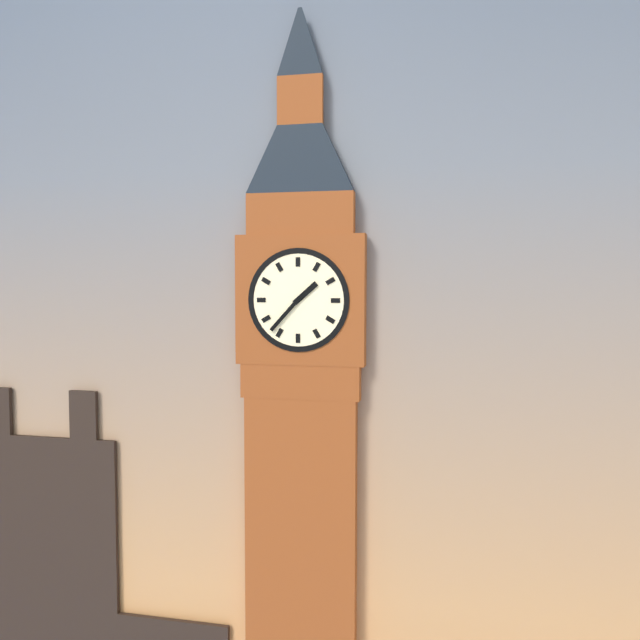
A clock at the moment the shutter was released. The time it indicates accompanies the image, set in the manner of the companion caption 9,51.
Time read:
1,37
